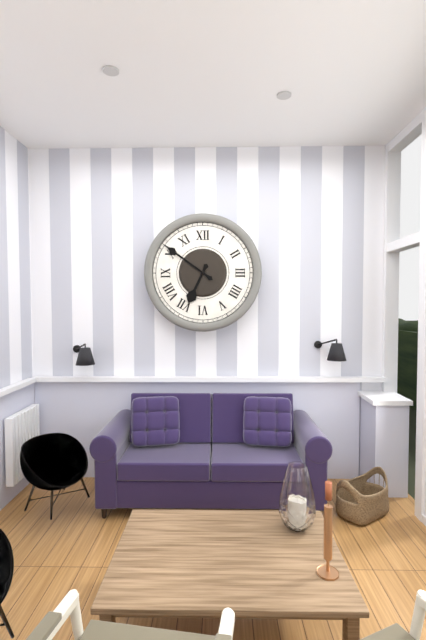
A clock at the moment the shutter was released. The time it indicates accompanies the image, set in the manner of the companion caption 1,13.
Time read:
6,51
